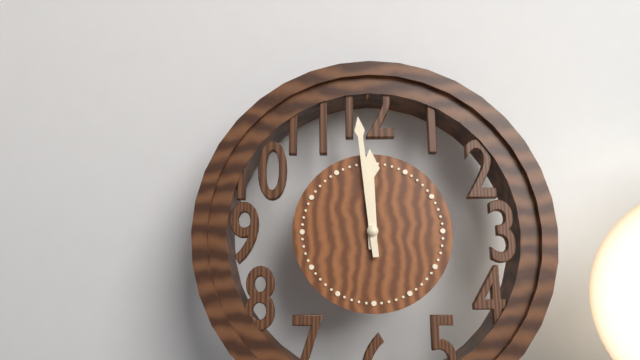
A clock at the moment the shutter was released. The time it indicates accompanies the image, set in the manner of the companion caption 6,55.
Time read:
11,59
